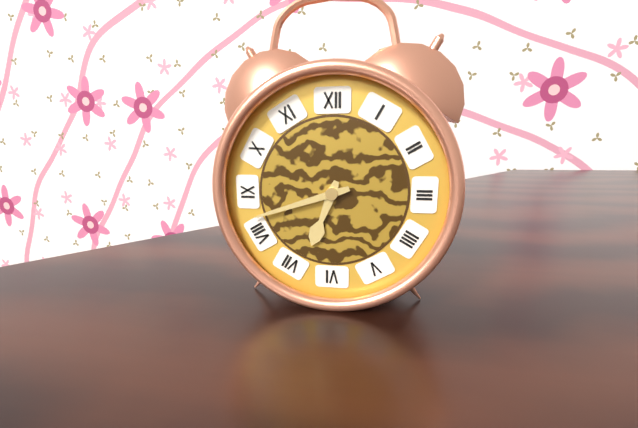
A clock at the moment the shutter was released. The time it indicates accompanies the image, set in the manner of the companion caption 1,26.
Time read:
6,42
